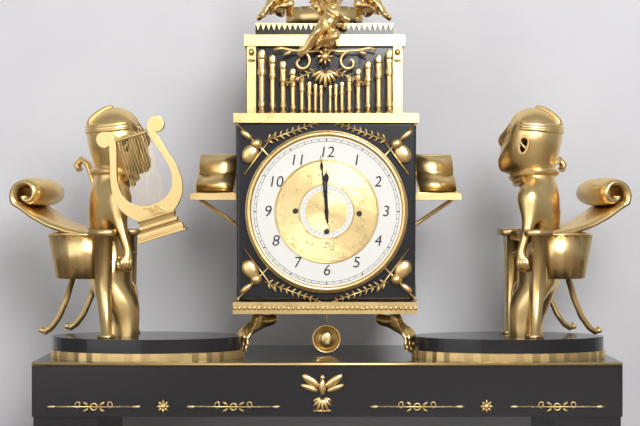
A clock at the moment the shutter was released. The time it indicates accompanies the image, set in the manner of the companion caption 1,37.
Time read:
11,59
